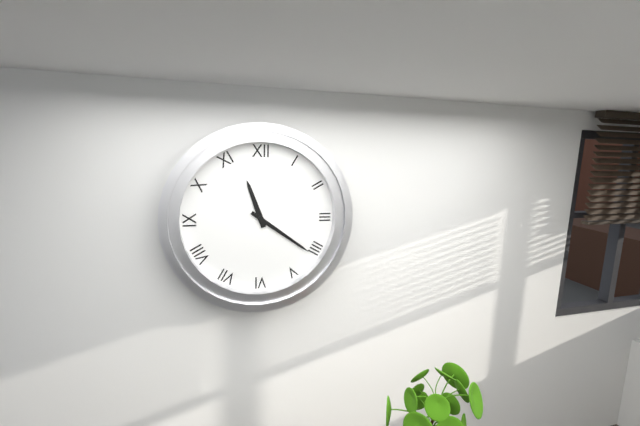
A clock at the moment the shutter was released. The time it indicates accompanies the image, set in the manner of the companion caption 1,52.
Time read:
11,21
